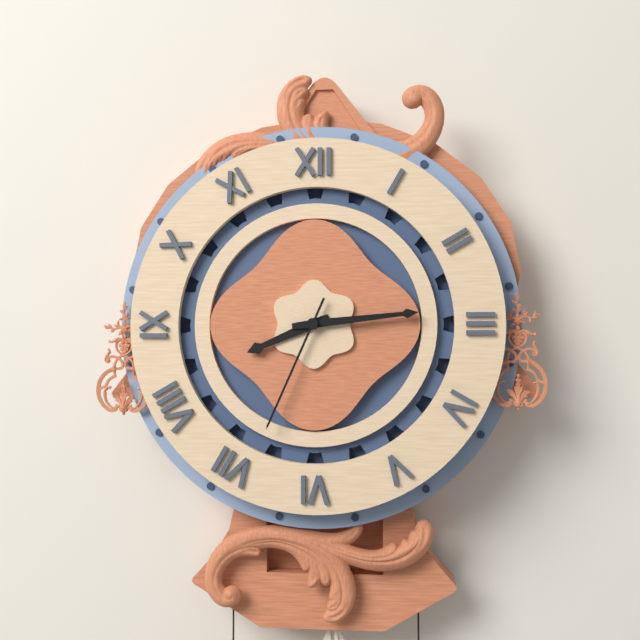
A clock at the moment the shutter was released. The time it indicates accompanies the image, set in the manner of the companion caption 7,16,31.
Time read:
8,14,34
